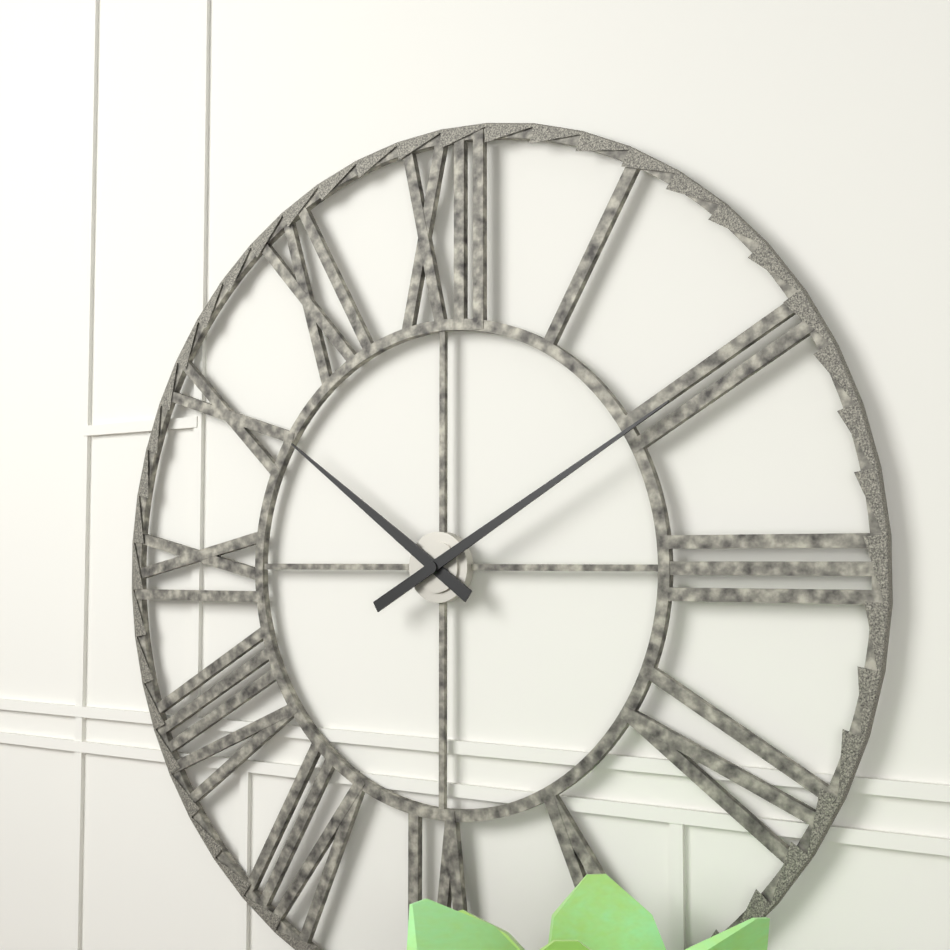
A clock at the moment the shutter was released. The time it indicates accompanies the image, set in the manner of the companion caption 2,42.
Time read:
10,10
